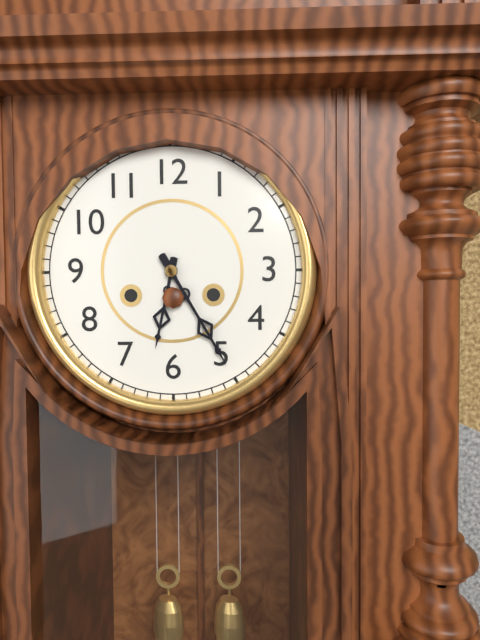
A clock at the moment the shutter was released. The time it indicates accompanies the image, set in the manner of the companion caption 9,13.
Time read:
6,25
